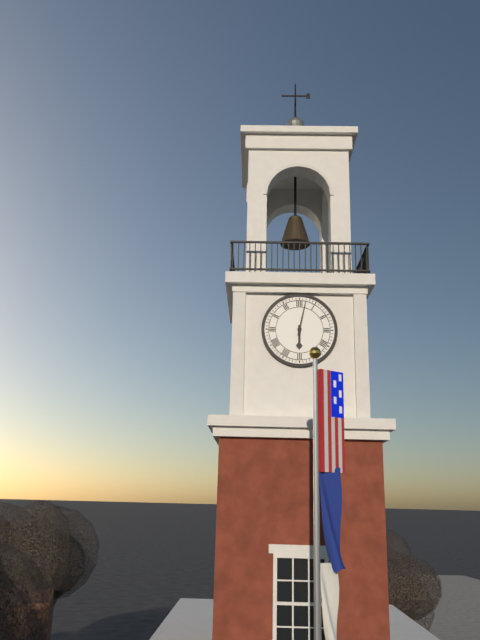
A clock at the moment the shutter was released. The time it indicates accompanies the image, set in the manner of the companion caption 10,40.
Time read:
6,02
